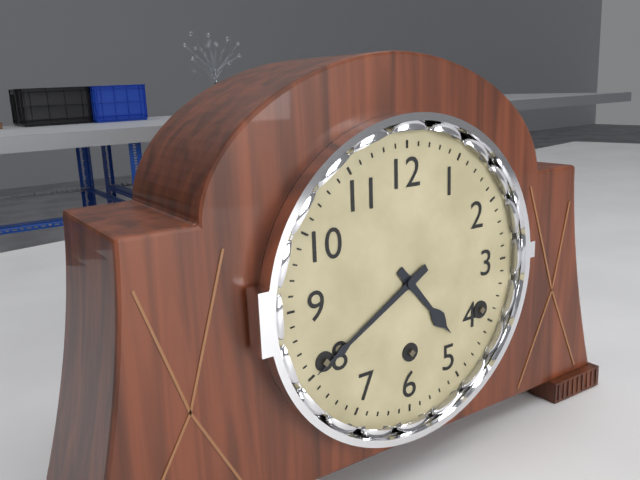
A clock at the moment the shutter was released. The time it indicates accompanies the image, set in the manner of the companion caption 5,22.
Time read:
4,40
